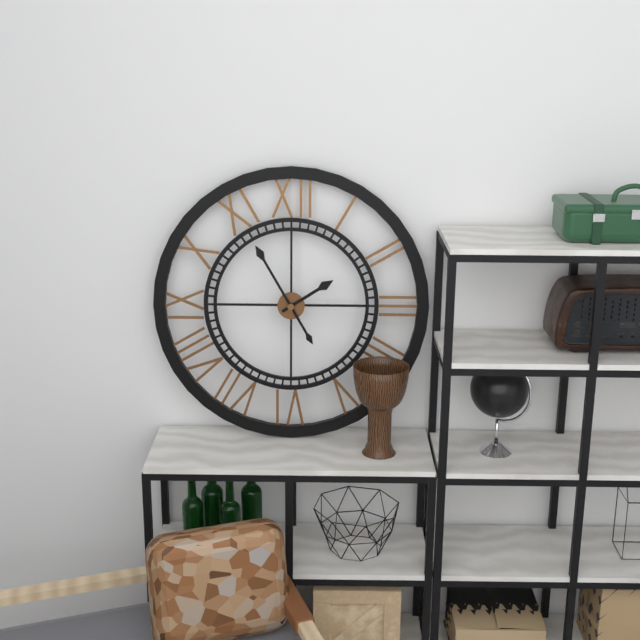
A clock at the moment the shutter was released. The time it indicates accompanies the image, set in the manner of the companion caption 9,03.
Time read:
1,55
